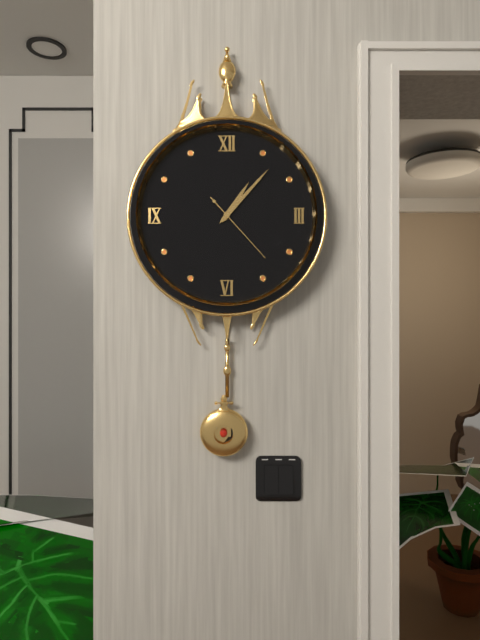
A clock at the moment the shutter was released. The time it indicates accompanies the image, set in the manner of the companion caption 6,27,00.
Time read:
1,07,23
